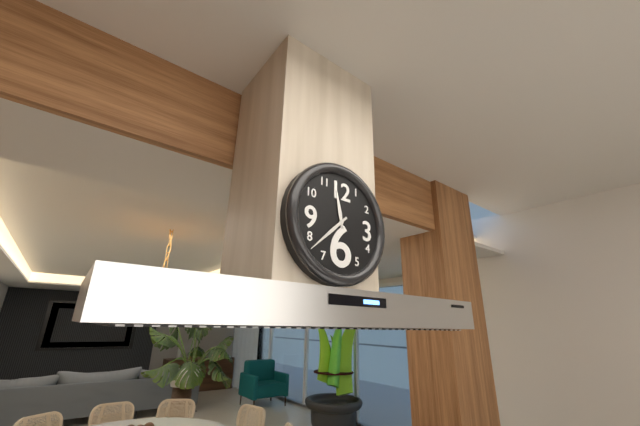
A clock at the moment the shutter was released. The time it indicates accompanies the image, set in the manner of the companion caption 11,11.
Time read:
11,38
